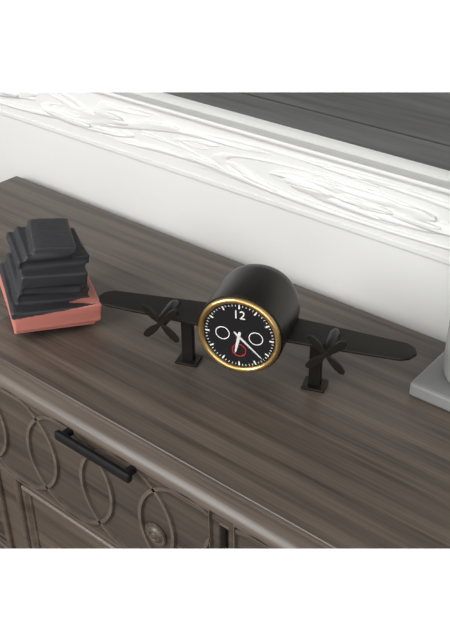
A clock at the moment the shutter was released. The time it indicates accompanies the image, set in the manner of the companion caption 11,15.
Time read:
6,22
